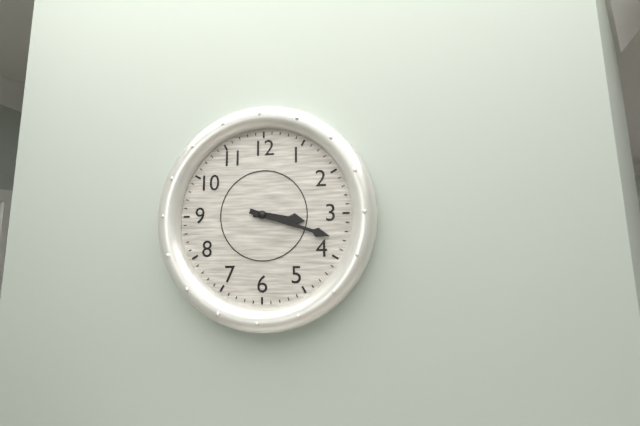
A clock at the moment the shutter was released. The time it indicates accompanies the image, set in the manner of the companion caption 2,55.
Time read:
3,18
